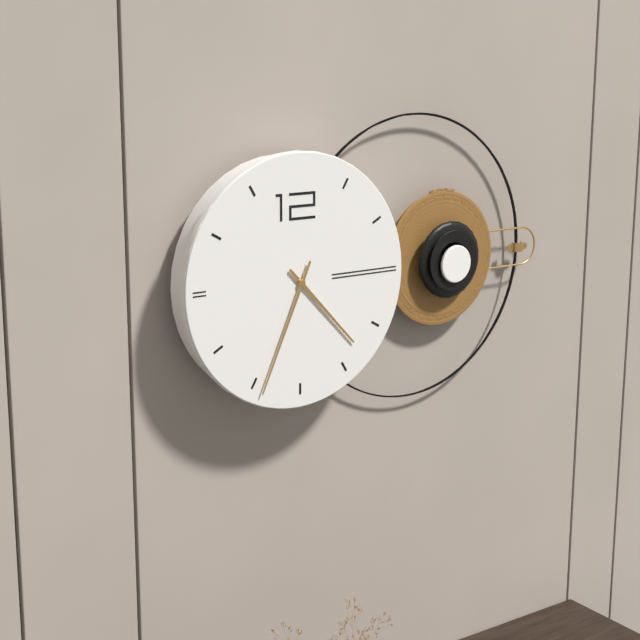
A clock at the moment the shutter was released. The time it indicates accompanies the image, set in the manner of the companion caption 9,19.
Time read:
4,34
